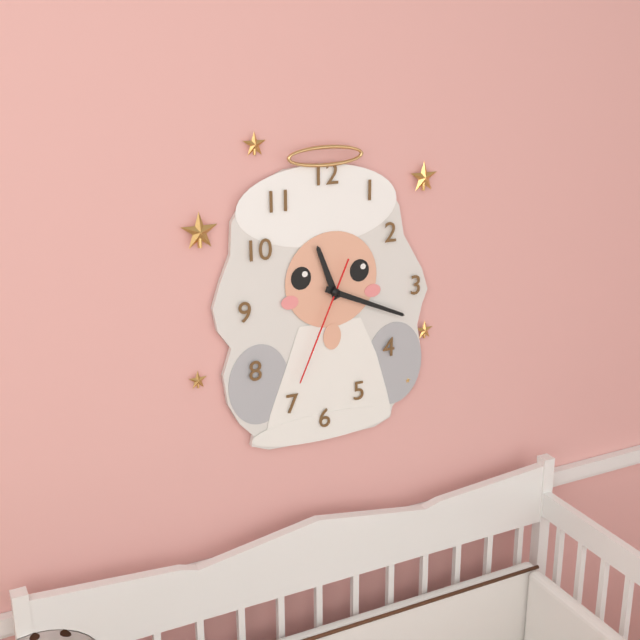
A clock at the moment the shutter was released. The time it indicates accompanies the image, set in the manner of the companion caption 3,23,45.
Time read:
11,19,34
